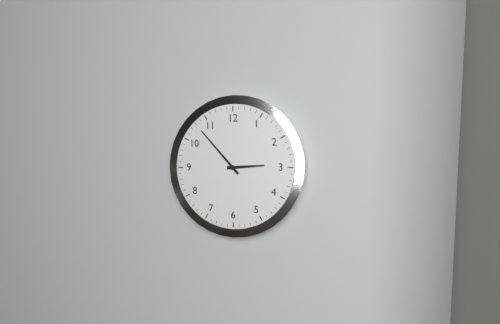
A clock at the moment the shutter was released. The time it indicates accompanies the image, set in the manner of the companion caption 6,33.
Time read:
2,53
